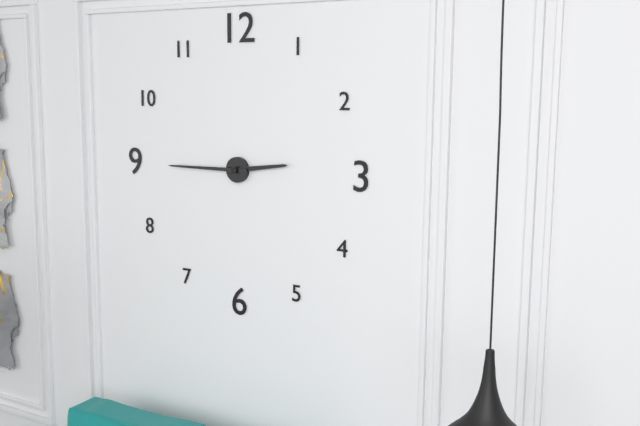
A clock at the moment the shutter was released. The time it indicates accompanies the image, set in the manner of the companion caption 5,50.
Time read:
2,45
